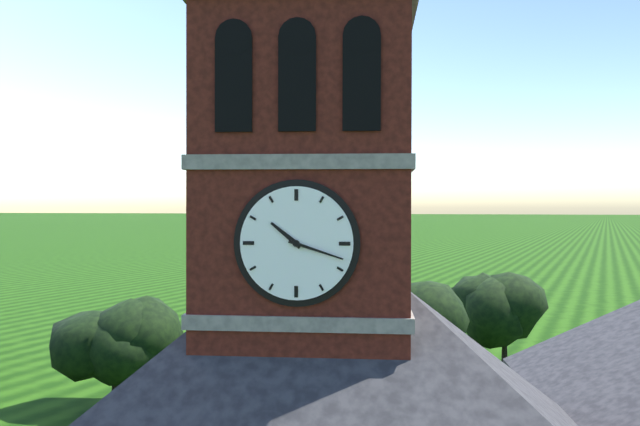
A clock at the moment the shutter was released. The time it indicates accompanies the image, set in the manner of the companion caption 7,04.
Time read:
10,18
